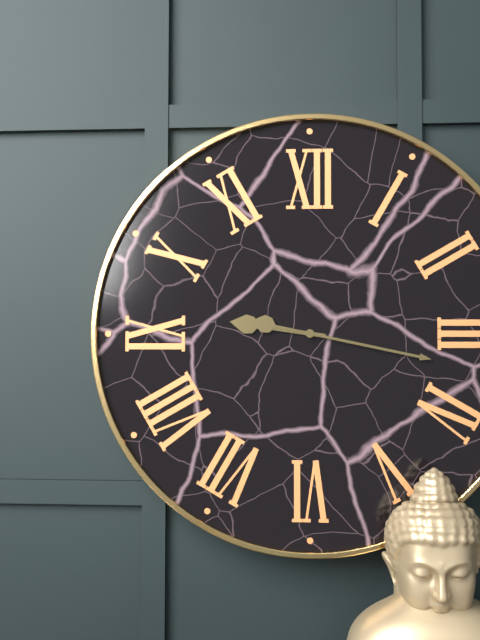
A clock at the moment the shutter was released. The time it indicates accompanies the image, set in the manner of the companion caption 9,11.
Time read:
9,17
